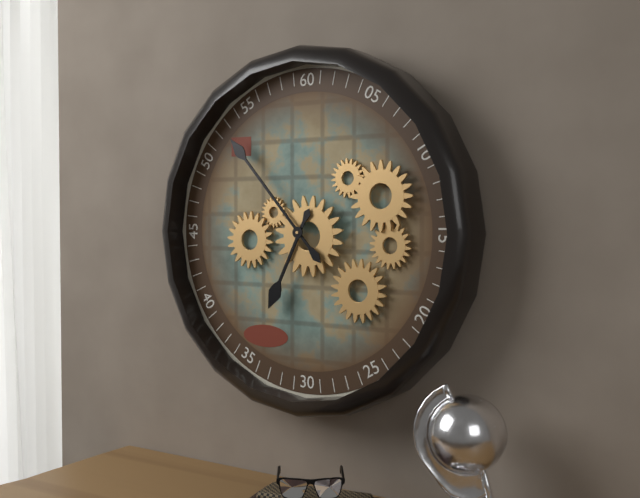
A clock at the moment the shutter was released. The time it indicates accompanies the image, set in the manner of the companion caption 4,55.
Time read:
6,53
